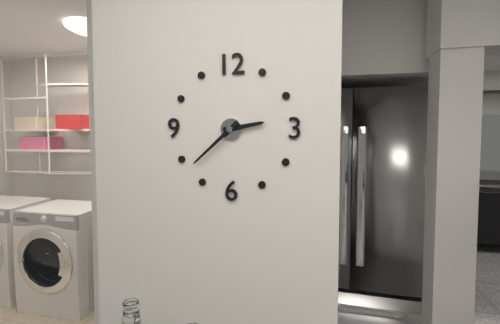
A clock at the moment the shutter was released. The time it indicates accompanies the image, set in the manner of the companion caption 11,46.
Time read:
2,38
